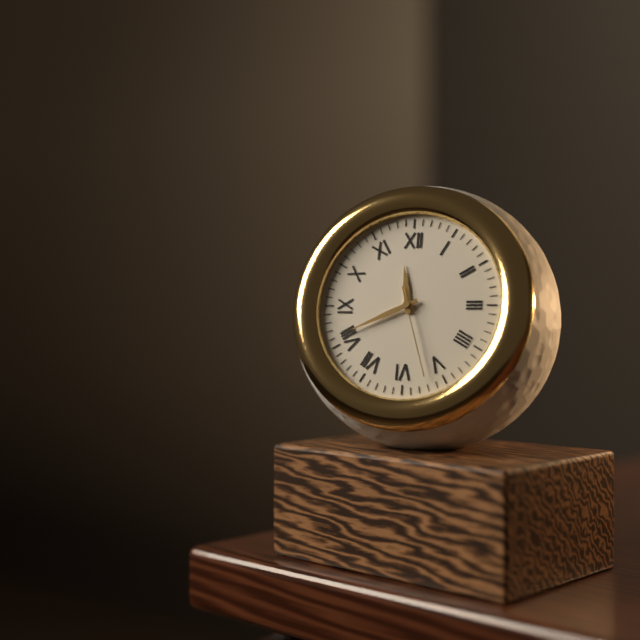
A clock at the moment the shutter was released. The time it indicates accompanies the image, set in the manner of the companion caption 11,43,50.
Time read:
11,41,27
